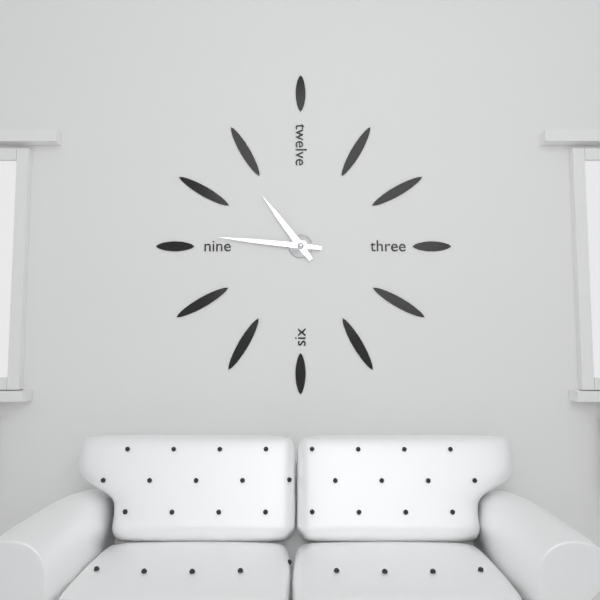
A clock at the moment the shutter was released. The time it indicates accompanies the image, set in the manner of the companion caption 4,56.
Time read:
10,46
